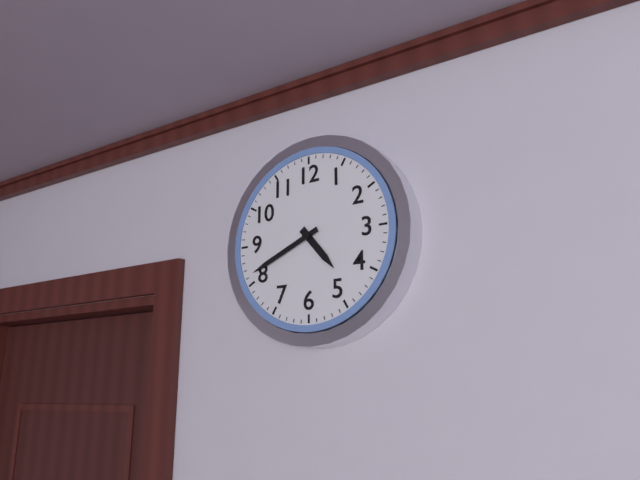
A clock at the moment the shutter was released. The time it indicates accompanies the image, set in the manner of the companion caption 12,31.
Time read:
4,41
